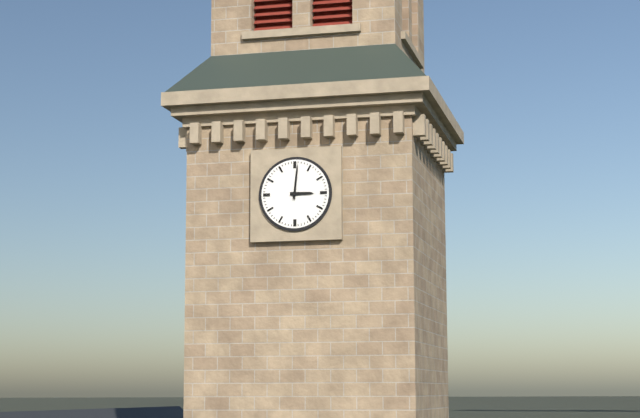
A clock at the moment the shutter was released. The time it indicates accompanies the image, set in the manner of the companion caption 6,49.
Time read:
3,01
